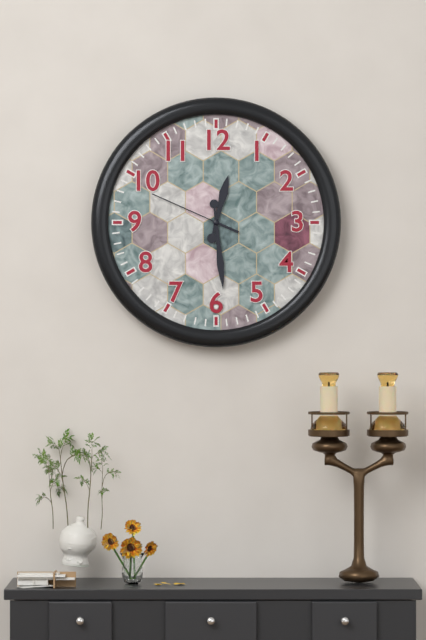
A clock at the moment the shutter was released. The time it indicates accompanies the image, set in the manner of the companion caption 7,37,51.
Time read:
12,29,49
